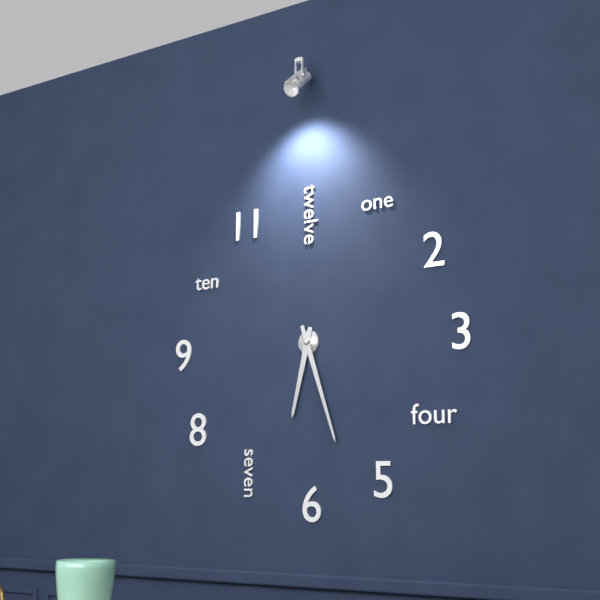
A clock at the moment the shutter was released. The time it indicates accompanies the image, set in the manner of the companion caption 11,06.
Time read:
6,27
